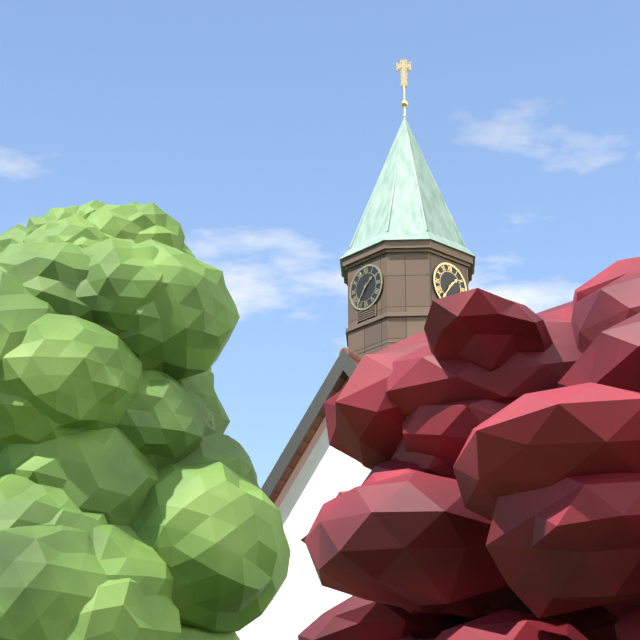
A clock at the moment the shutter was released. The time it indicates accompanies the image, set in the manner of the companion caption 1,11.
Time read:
1,36
